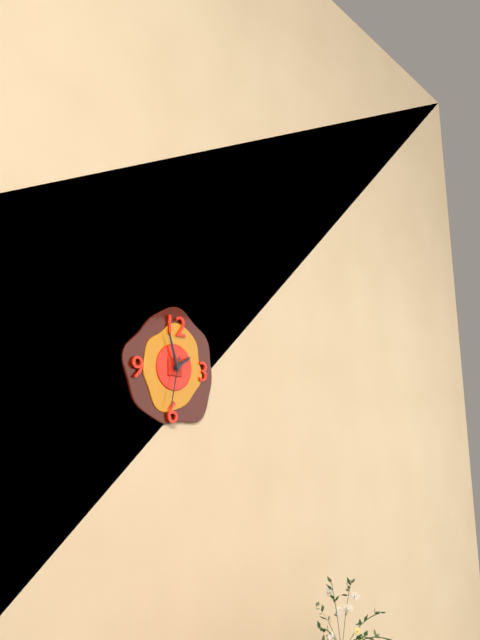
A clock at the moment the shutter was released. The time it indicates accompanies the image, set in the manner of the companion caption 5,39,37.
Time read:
1,57,32
